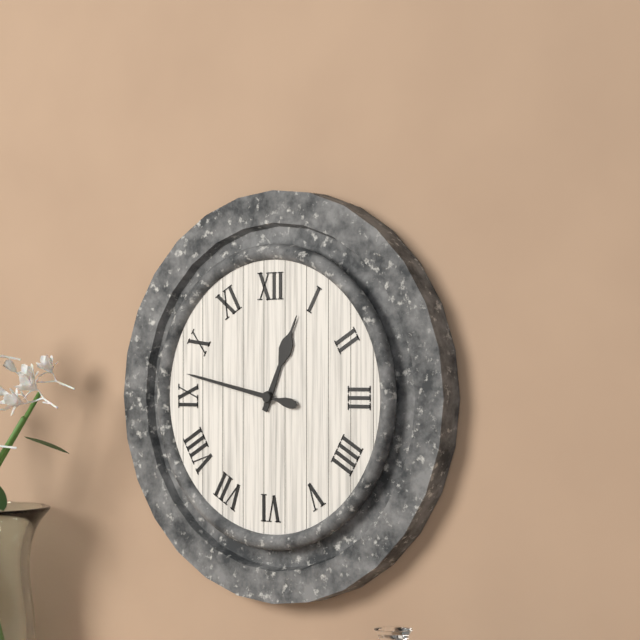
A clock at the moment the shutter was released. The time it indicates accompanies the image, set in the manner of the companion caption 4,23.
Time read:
12,47
